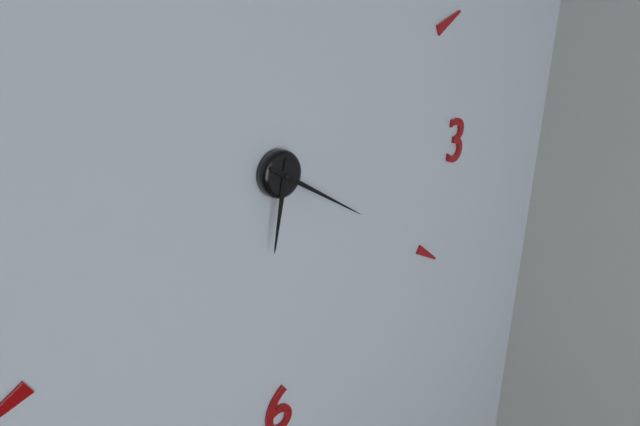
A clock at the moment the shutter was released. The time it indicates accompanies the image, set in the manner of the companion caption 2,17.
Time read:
6,20
